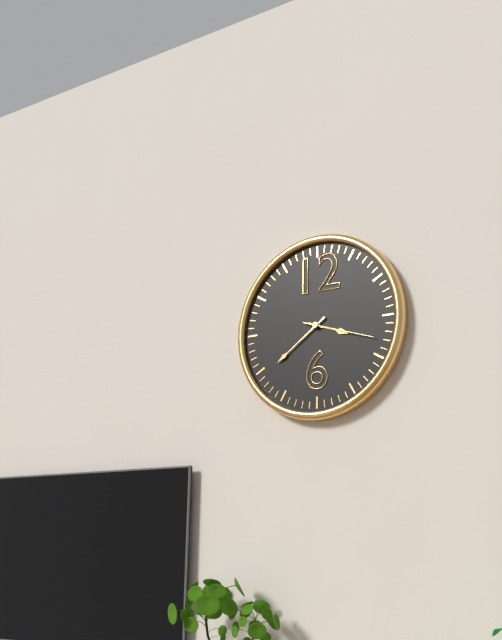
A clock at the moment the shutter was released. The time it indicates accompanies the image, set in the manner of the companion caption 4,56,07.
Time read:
3,39,18
